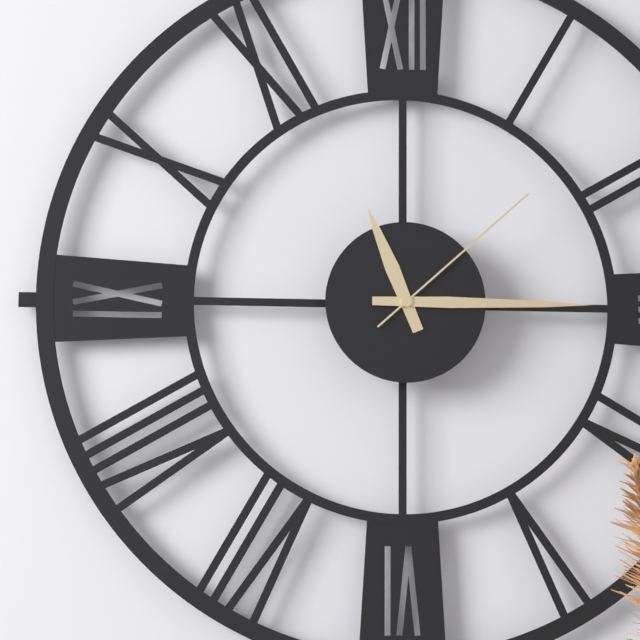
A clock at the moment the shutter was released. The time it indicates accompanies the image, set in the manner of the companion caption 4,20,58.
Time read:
11,15,08
